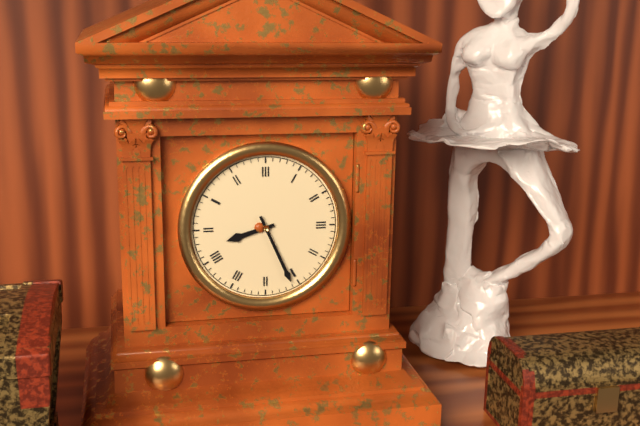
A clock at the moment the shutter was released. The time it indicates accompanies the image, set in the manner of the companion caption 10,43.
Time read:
8,26
